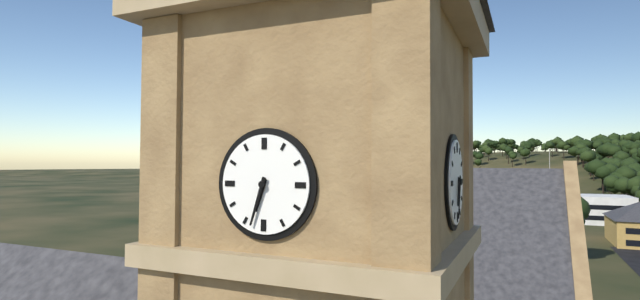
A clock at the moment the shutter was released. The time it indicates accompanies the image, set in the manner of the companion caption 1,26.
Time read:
6,33
